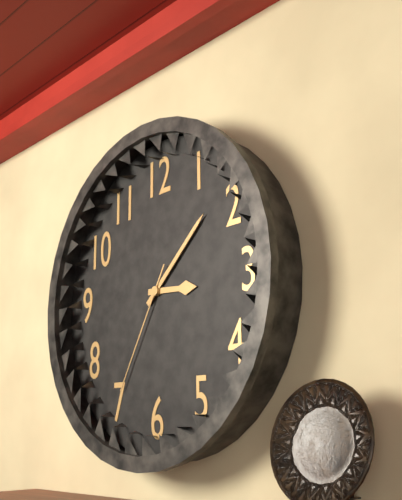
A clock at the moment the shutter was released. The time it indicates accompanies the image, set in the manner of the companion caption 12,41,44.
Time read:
3,08,35
